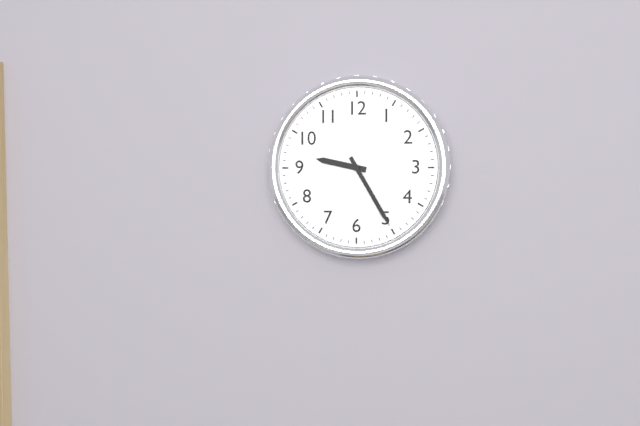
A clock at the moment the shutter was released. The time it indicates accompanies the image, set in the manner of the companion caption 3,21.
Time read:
9,25
